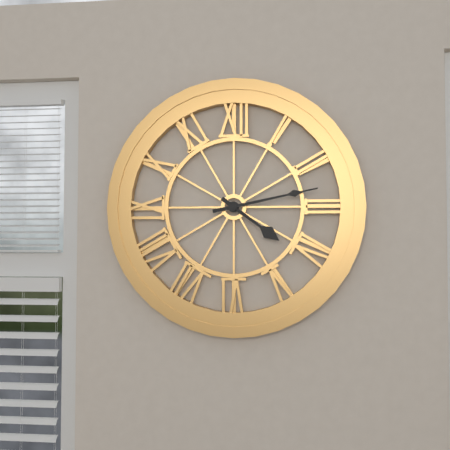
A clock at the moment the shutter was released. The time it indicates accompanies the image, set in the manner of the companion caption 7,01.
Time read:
4,13
